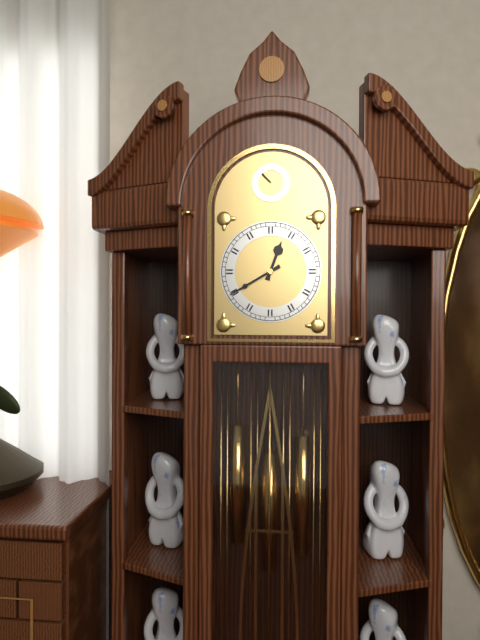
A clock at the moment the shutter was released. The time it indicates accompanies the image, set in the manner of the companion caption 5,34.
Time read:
12,40
